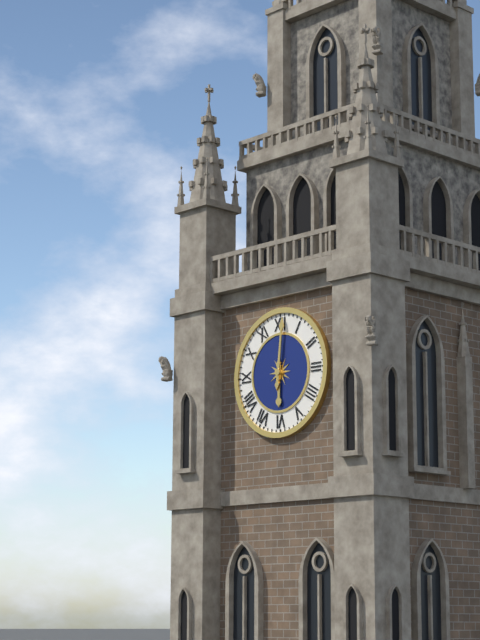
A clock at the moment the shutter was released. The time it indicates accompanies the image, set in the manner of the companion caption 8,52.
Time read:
6,01
